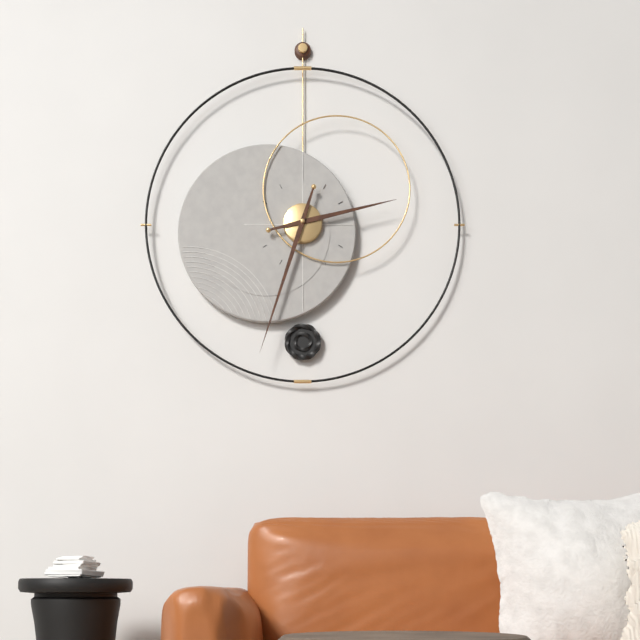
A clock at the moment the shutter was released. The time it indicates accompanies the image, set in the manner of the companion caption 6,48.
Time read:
2,33
